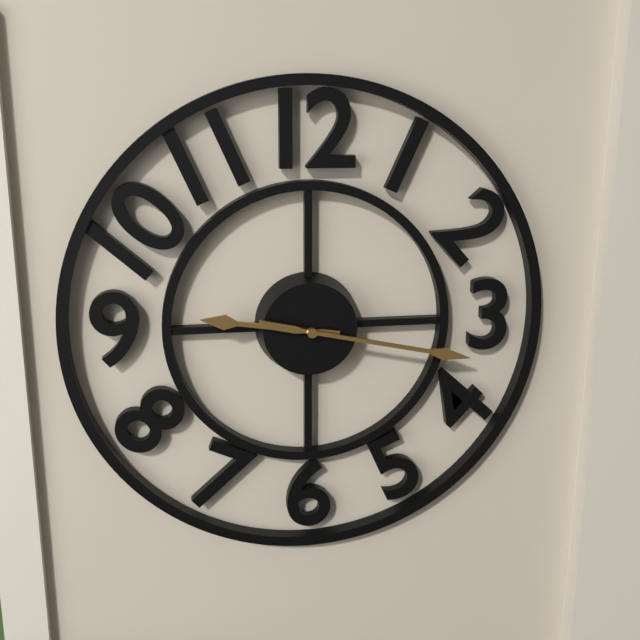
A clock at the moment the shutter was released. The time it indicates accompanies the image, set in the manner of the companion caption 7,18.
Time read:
9,17
